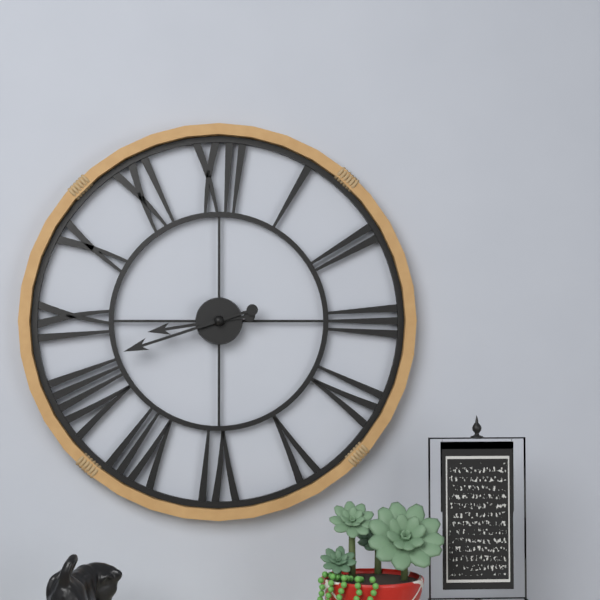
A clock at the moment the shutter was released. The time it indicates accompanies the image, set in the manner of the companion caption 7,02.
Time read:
8,42
